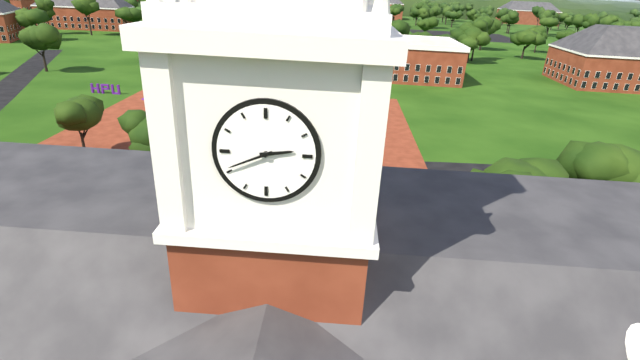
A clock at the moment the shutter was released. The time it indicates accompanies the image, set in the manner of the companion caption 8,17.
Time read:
2,41
